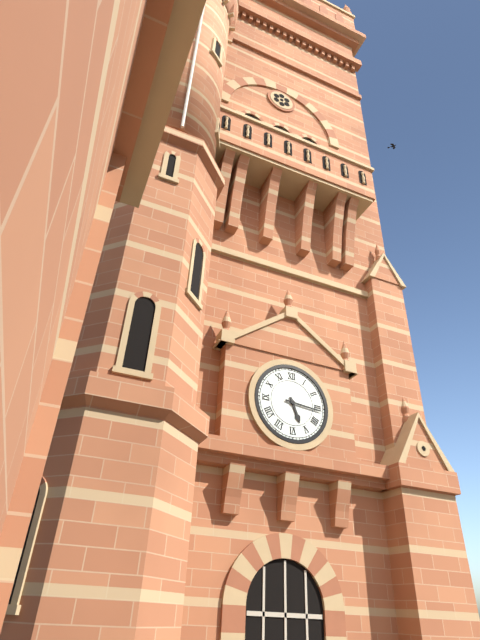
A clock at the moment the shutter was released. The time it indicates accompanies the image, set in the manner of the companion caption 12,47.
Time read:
5,16
